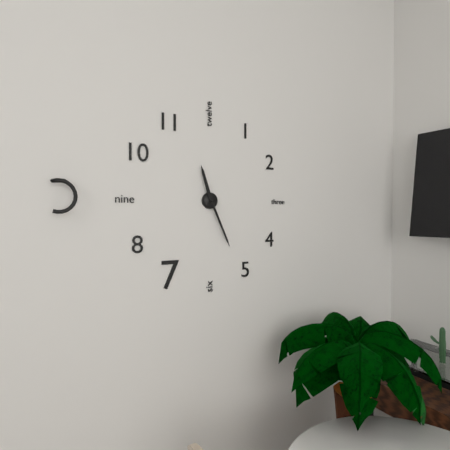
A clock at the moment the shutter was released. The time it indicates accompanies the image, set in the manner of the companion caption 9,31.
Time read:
11,26
